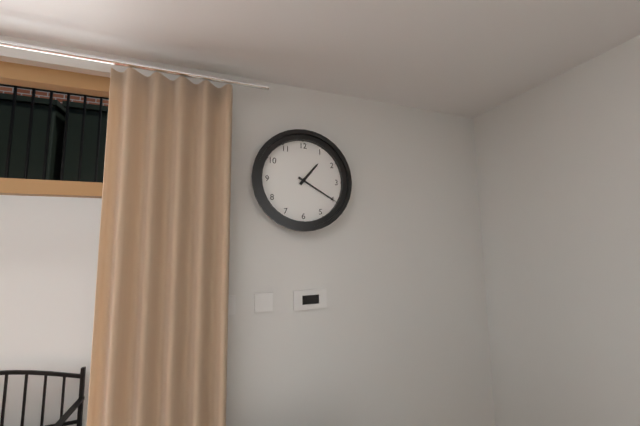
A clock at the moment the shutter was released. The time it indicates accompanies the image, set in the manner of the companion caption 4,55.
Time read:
1,20
